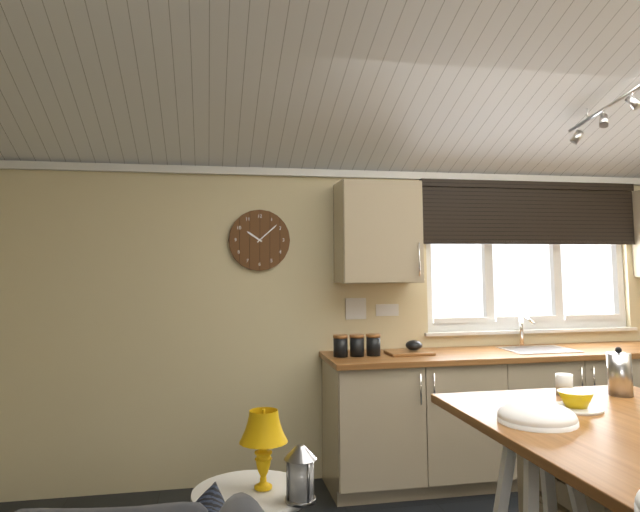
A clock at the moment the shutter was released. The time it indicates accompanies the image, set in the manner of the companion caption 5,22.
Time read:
10,08
